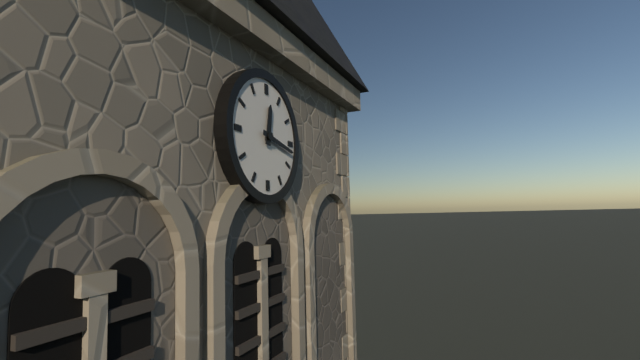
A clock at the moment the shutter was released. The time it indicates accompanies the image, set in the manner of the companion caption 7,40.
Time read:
12,17
